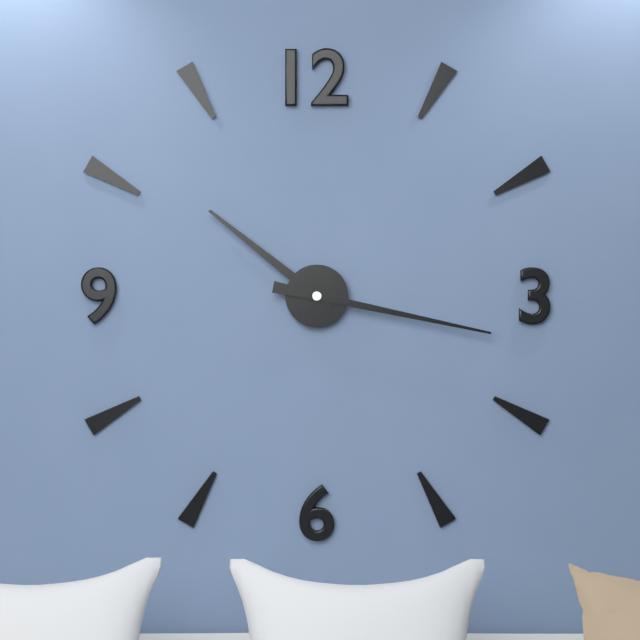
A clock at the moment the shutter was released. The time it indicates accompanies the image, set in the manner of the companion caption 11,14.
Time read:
10,17
